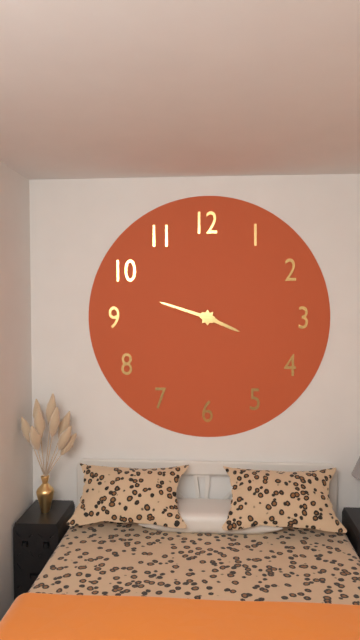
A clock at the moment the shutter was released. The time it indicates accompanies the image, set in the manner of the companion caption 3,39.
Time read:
3,48
